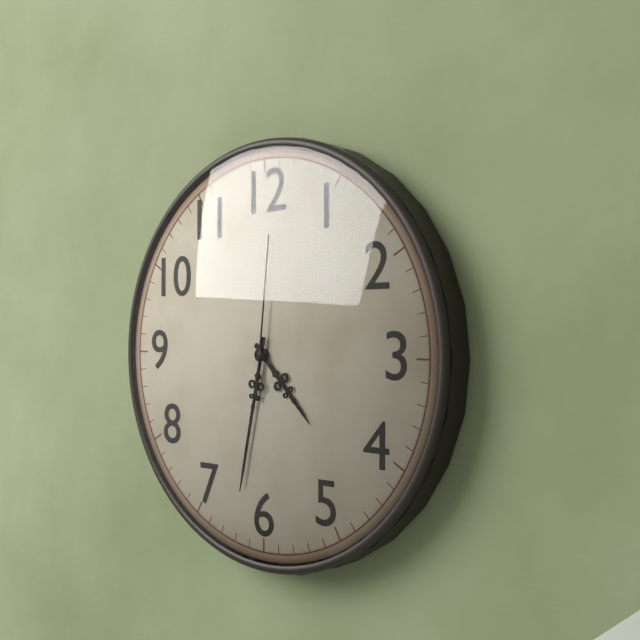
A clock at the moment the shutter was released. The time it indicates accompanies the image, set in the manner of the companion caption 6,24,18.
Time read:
4,32,01
